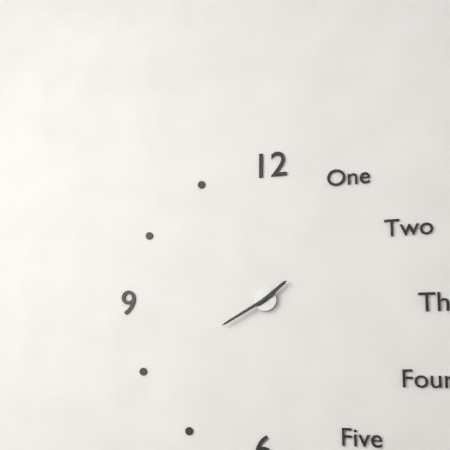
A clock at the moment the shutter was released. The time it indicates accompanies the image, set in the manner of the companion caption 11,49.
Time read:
1,40
